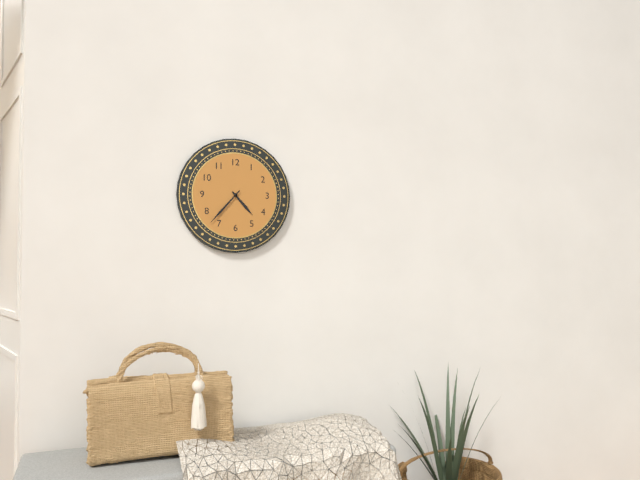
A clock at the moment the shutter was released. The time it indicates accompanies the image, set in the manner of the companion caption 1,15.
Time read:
4,37
